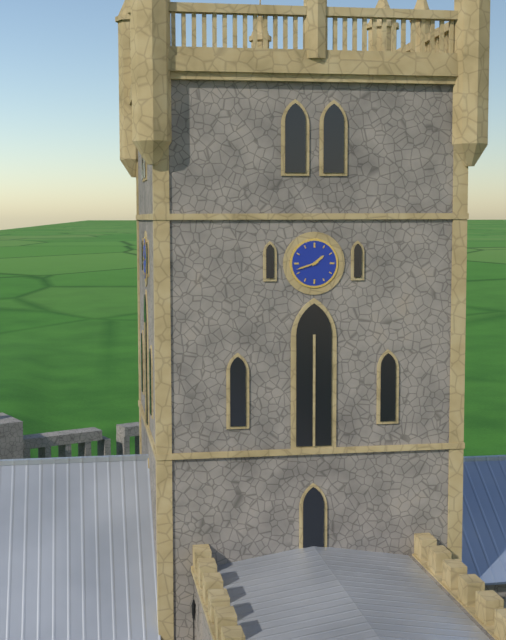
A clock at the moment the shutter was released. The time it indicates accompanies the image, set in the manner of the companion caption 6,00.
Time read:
1,42
